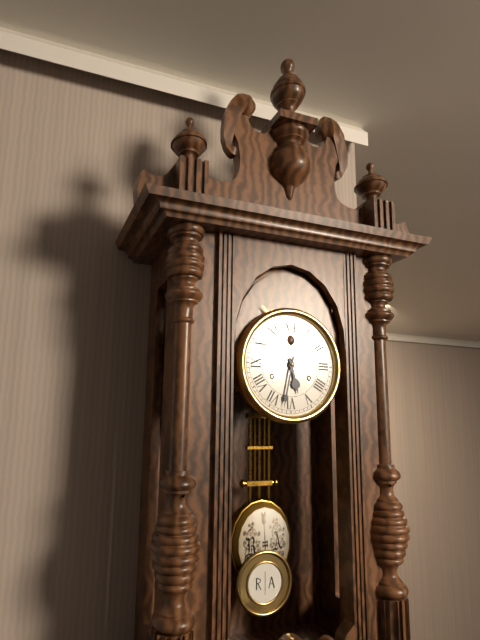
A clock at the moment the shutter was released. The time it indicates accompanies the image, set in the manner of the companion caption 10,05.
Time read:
5,32
